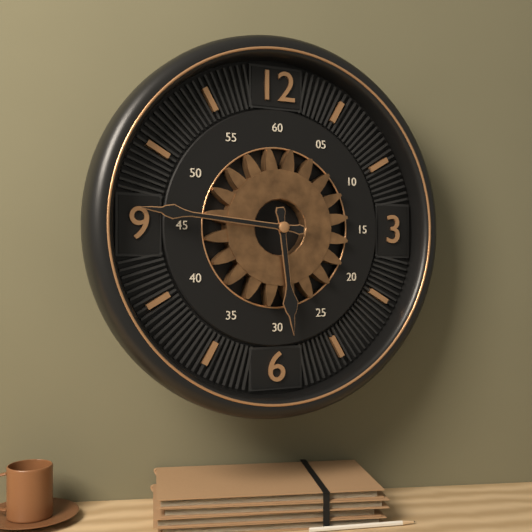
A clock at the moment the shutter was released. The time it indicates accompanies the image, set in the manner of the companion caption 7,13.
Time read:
5,46
